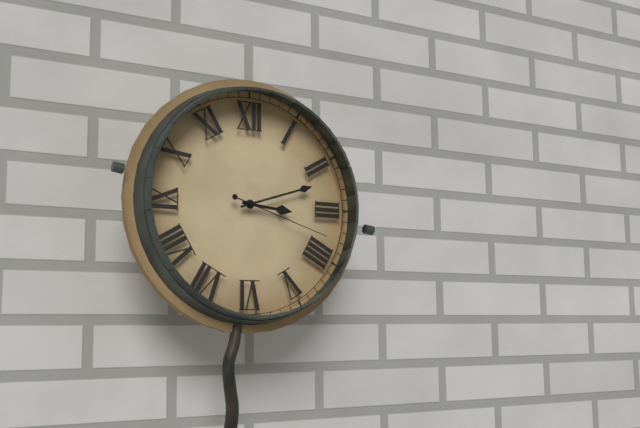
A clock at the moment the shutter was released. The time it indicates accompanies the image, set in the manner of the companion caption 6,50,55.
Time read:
3,12,18
